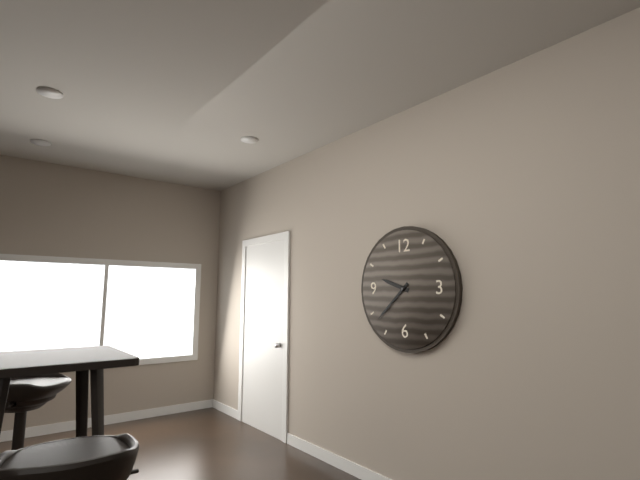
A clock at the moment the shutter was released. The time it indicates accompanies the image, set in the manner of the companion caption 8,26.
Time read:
9,38
